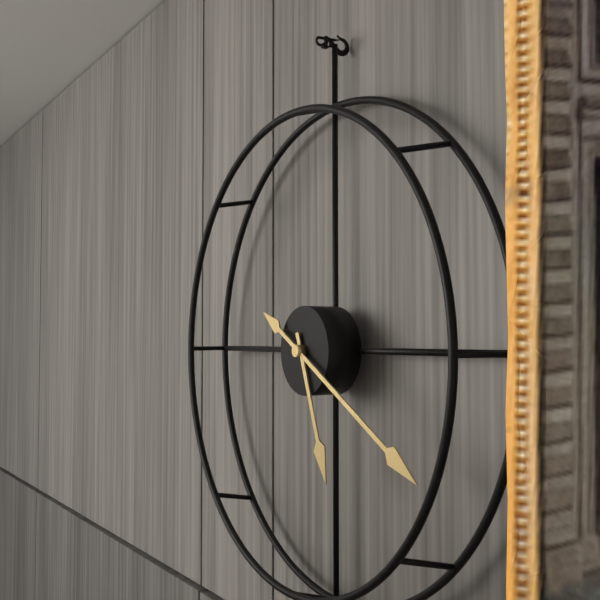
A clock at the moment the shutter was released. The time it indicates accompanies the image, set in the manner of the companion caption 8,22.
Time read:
5,20
